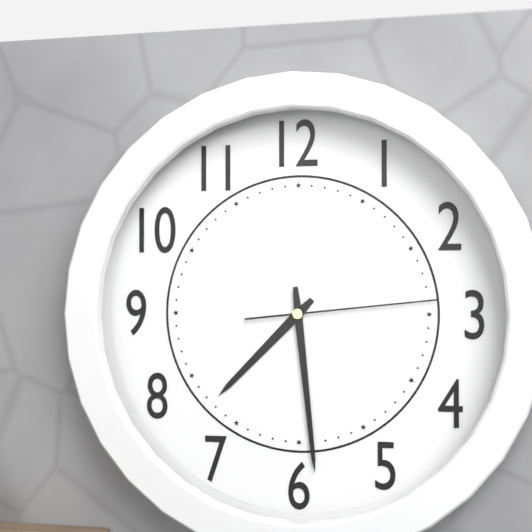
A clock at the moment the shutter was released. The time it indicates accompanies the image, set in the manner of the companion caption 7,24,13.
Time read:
7,29,14
